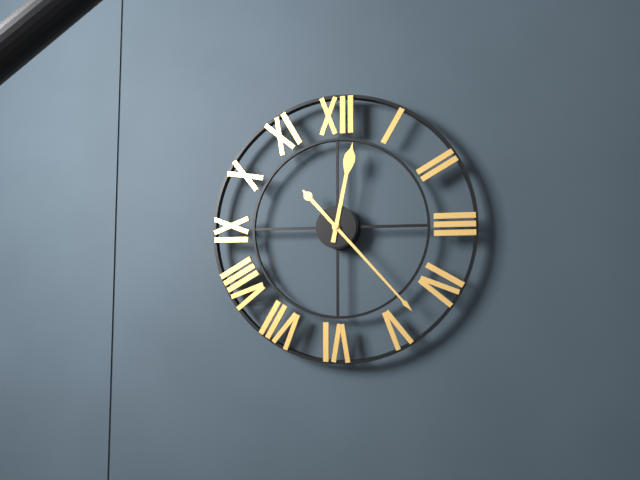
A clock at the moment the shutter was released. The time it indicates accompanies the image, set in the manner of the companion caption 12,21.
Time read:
12,23
